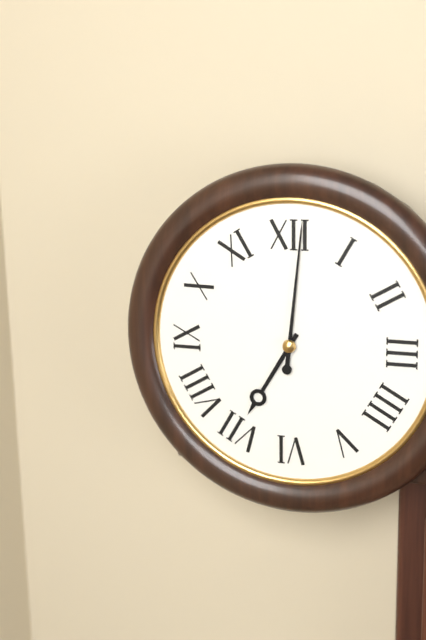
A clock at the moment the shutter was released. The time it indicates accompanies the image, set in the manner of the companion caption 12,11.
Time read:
7,01
